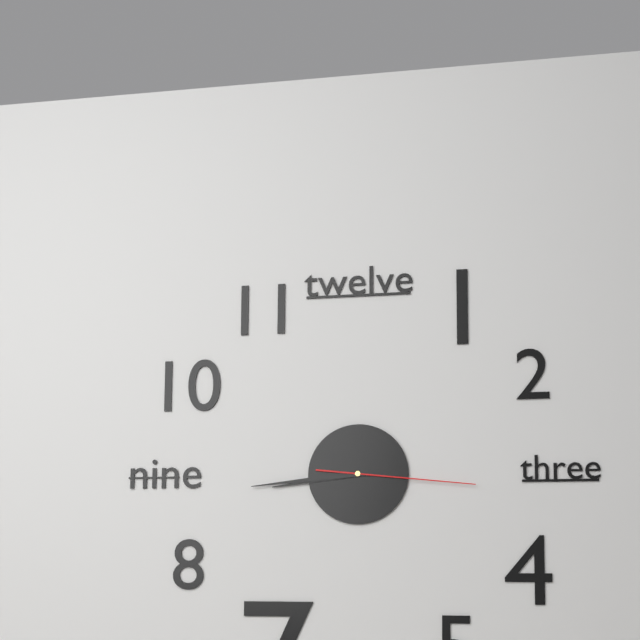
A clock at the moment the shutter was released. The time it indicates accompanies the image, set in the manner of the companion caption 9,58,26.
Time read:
8,44,16
